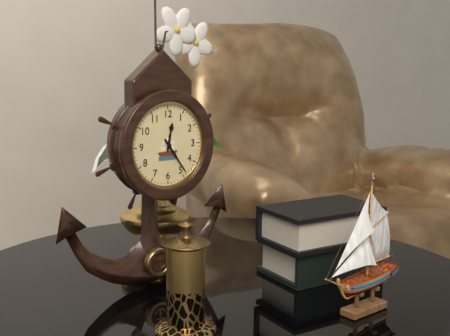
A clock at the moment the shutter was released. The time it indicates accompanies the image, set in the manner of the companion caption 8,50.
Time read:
12,24
